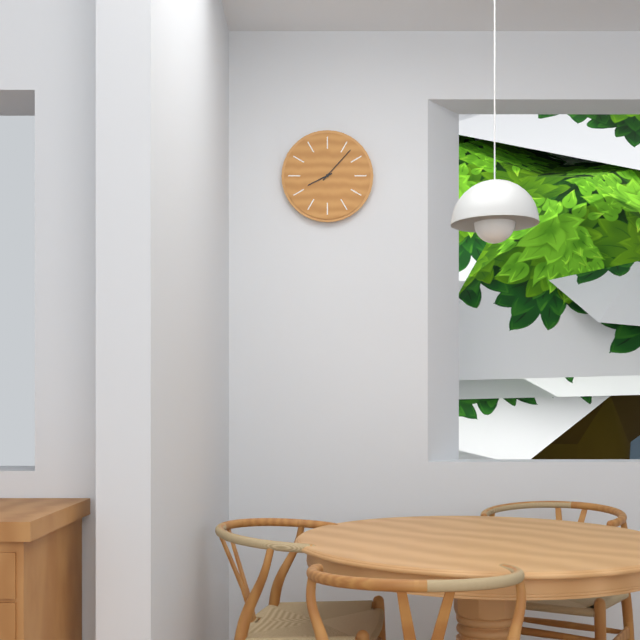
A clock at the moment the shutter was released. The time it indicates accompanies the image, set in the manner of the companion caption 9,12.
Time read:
8,07
